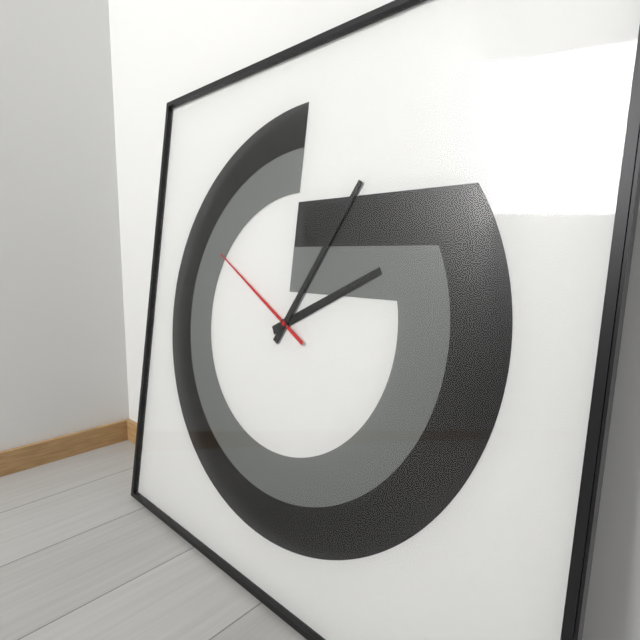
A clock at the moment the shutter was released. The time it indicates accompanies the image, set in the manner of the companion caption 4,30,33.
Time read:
2,05,50
